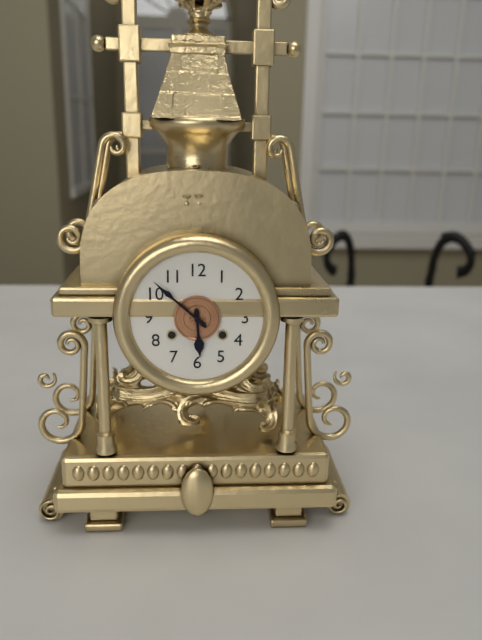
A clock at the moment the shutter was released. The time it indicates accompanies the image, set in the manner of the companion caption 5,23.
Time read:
5,52
